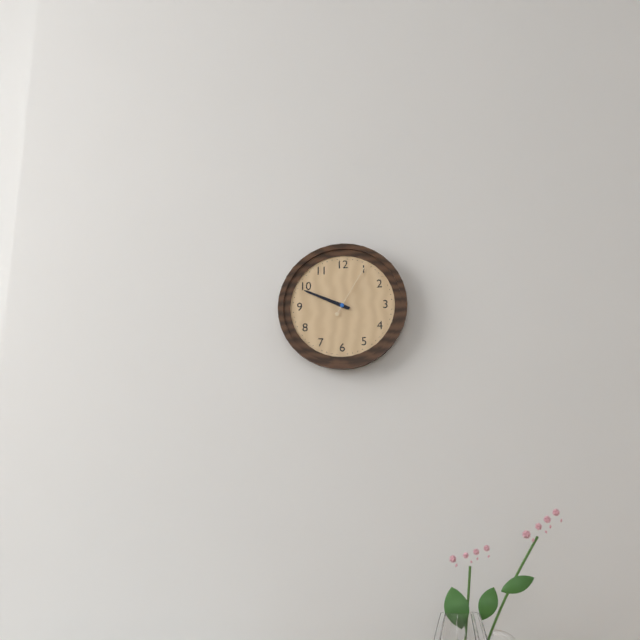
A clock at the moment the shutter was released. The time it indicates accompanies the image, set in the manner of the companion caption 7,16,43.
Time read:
9,49,05
